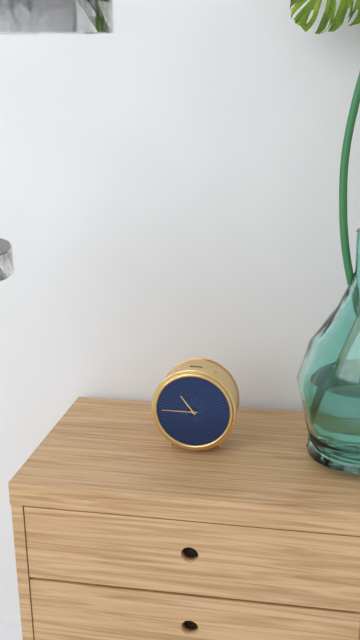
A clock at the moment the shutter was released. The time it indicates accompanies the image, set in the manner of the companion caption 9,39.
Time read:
10,45
